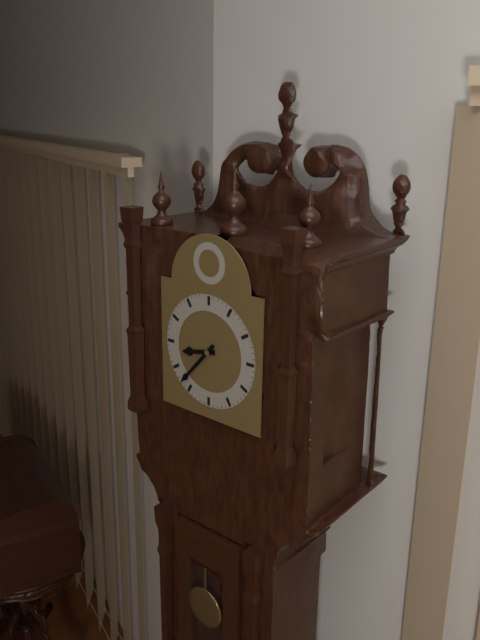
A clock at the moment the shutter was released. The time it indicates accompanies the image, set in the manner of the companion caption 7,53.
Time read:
8,37
